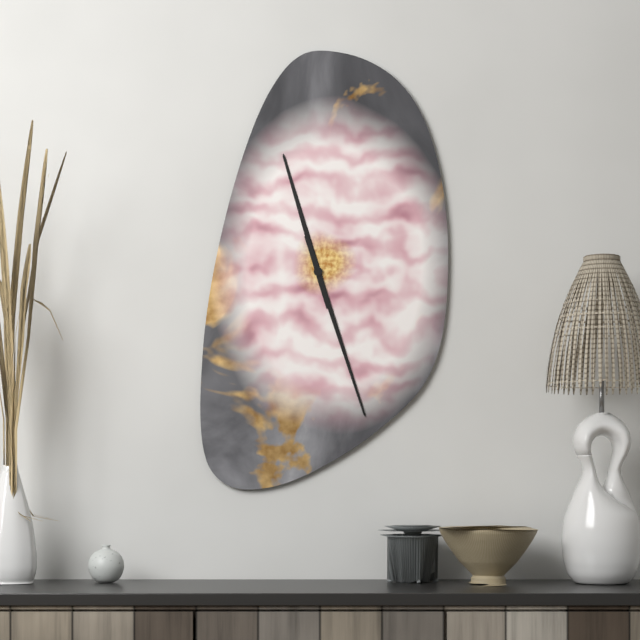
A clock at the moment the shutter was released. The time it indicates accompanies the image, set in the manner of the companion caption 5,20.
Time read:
11,27
